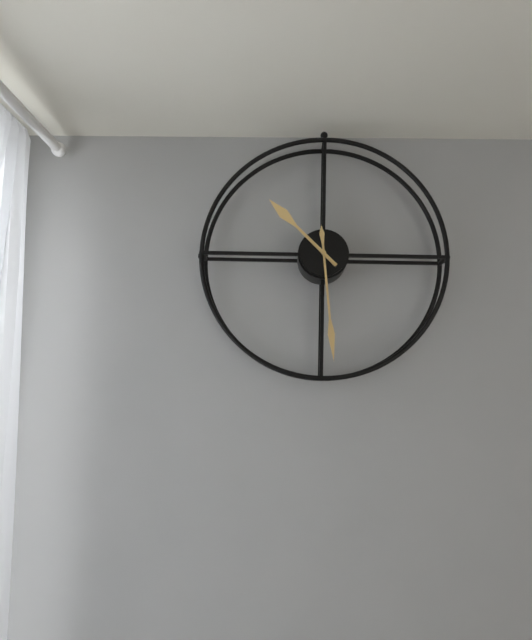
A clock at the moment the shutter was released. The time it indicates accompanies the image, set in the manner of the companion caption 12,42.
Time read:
10,29
